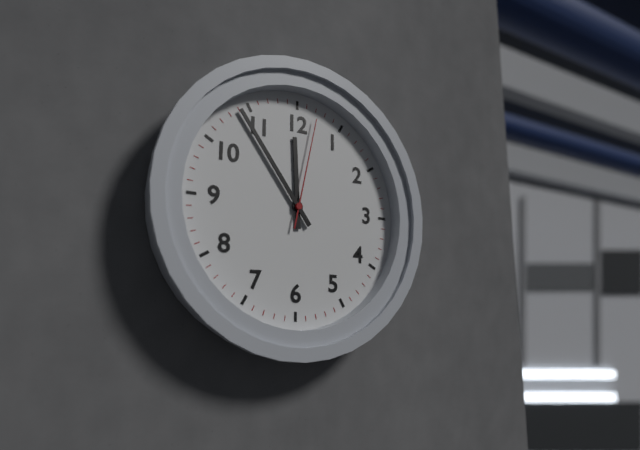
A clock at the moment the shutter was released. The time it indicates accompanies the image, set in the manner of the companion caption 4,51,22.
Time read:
11,54,02
